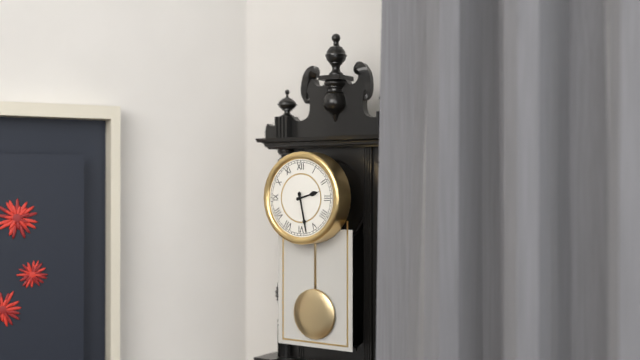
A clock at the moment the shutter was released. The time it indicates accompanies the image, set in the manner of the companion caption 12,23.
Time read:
2,28
